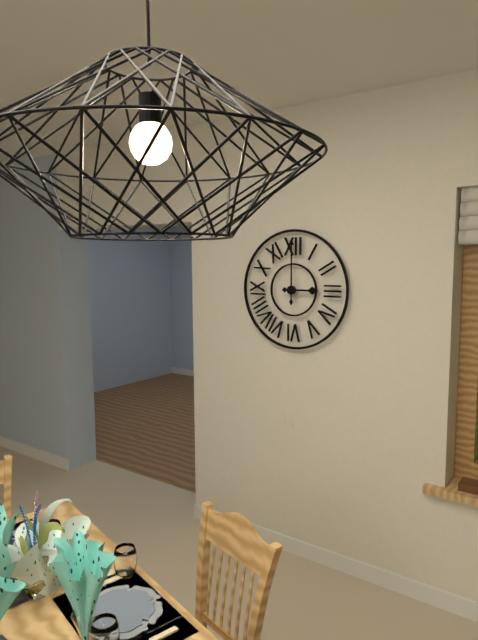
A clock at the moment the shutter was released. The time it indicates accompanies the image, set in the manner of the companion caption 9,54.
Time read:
3,00
